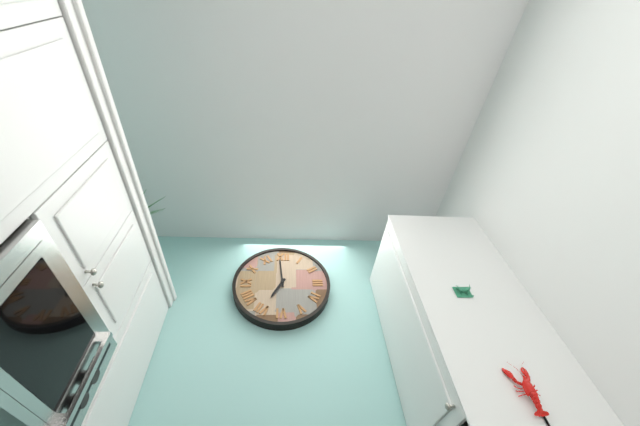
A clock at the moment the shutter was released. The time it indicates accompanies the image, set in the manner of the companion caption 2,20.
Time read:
6,59
